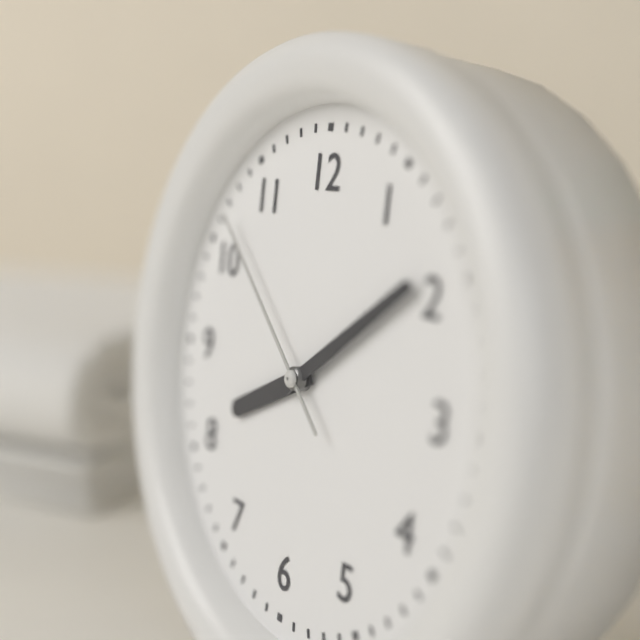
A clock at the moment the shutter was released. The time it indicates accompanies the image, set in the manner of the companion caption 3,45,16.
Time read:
8,09,52
